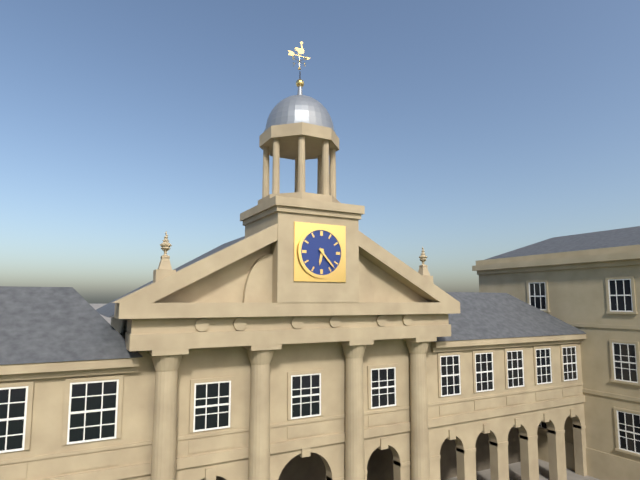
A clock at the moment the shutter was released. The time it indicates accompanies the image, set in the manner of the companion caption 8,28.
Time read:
6,23
